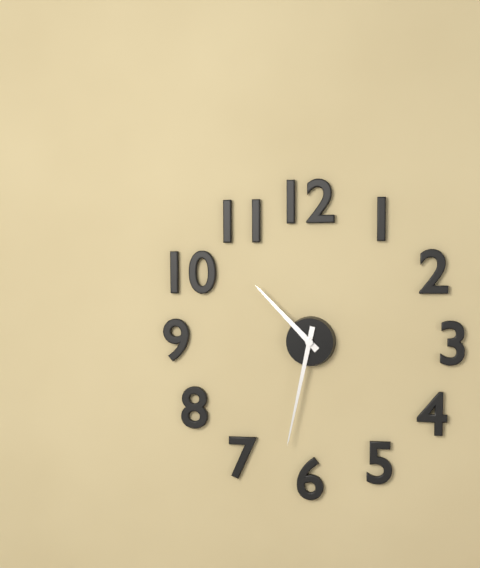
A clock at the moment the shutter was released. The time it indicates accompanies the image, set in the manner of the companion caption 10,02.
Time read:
10,32
